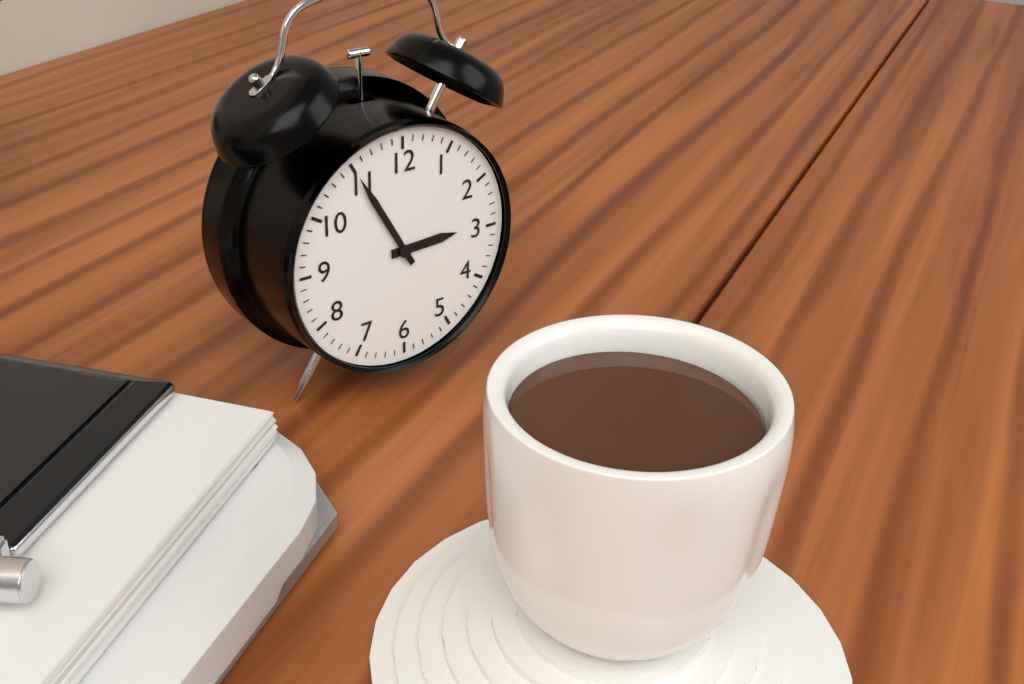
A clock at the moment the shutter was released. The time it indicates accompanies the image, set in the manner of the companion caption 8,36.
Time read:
2,55
